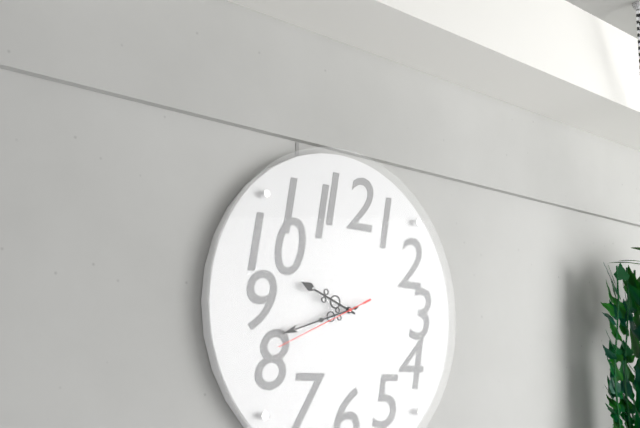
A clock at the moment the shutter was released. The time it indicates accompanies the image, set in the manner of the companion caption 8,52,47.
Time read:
9,42,41
